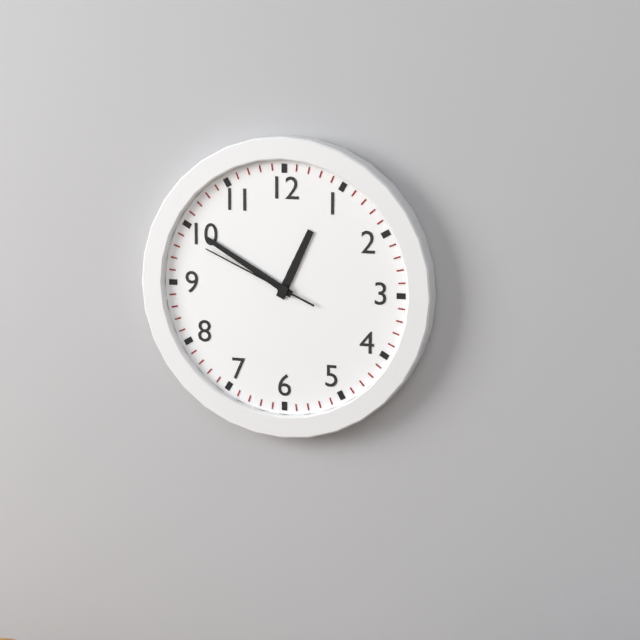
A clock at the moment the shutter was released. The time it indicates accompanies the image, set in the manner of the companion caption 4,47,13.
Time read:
12,50,49
